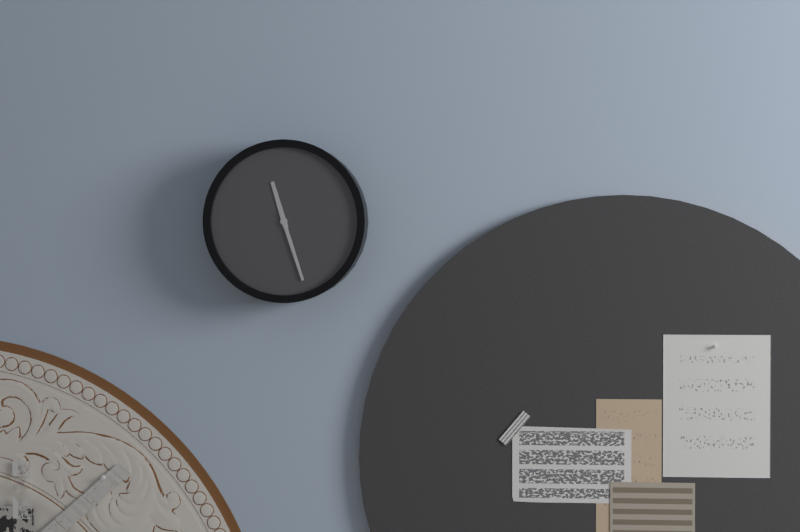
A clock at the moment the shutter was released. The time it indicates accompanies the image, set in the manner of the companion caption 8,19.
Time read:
11,27
